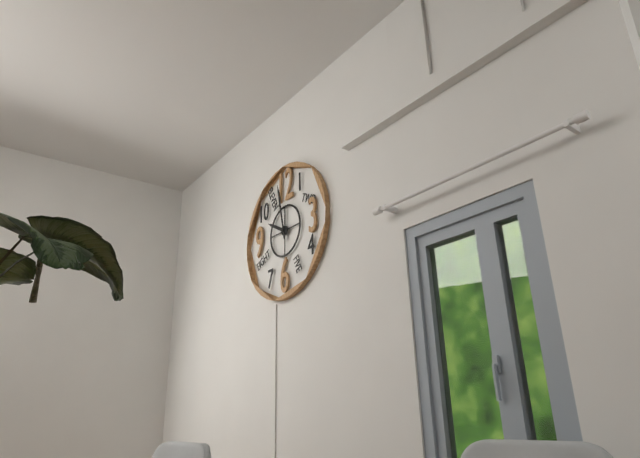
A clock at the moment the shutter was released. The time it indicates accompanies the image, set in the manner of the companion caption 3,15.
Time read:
9,58
